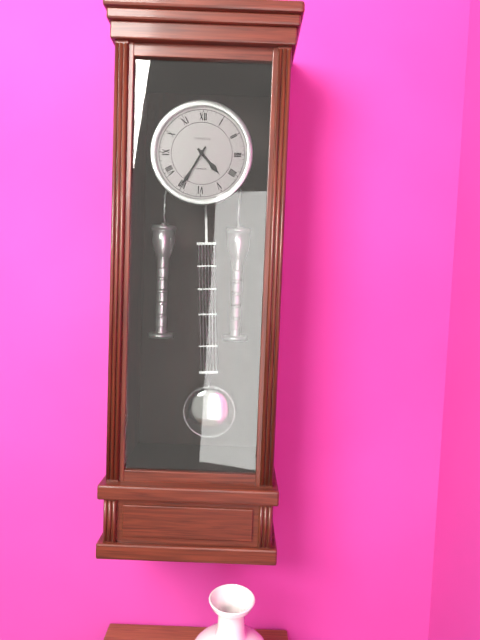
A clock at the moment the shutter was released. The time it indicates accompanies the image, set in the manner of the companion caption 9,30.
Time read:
4,35
